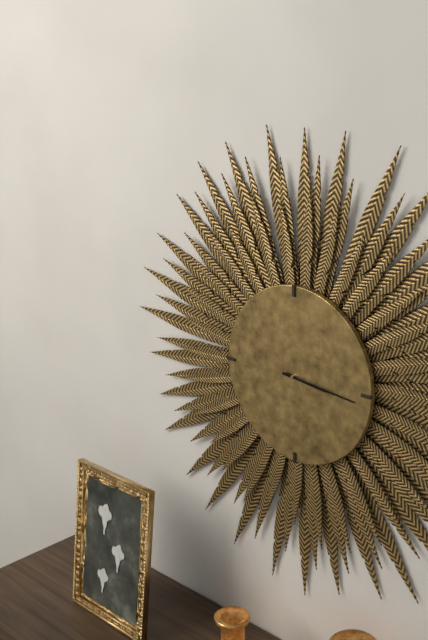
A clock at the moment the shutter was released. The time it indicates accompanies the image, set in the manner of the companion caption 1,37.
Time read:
3,16
